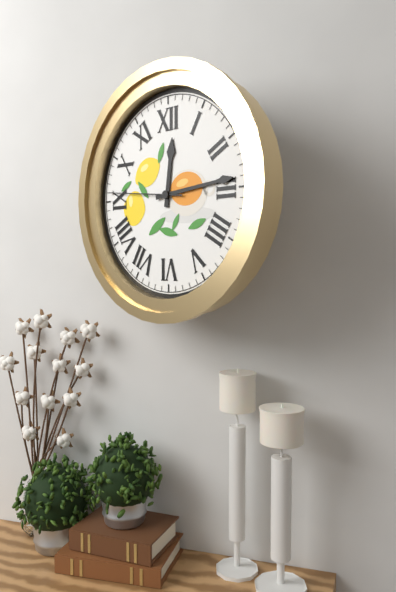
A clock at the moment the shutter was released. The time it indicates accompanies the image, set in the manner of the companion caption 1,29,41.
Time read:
12,14,46
